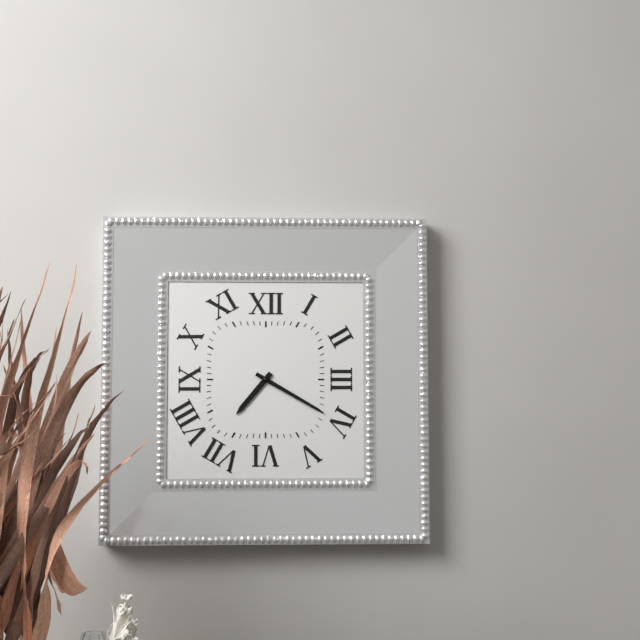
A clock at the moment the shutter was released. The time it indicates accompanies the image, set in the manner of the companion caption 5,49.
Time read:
7,20
